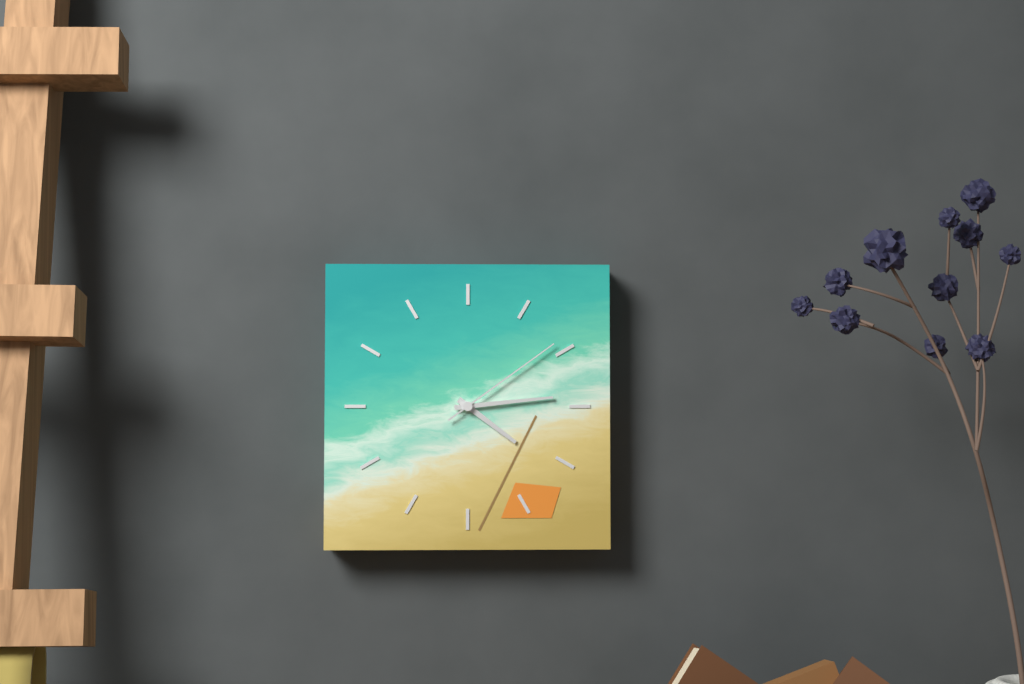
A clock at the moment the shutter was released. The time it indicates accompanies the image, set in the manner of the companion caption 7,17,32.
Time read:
4,14,09
